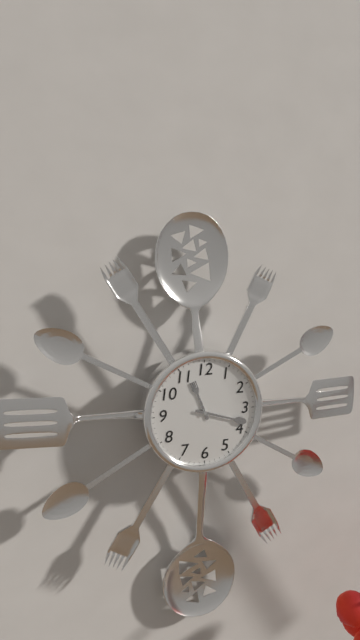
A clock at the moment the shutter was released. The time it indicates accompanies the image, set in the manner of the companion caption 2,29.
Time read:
11,18
